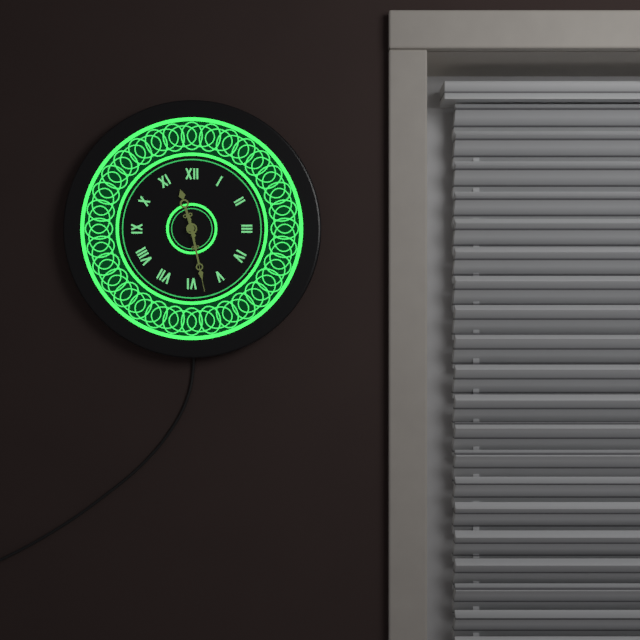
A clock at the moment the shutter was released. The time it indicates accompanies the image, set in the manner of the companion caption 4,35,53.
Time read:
11,28,28
